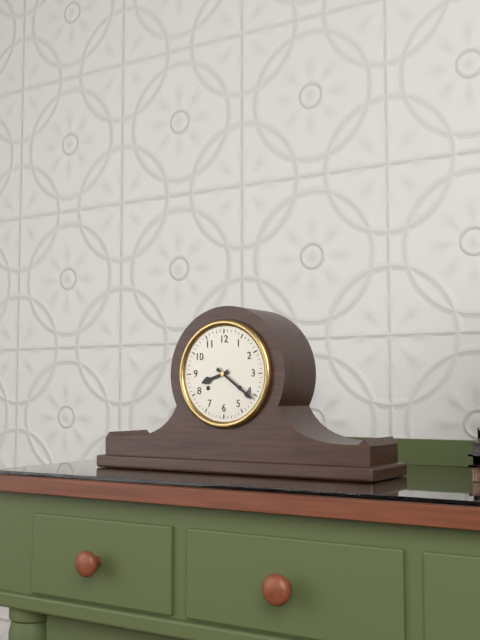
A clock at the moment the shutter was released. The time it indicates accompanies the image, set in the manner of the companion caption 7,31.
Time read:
8,21
